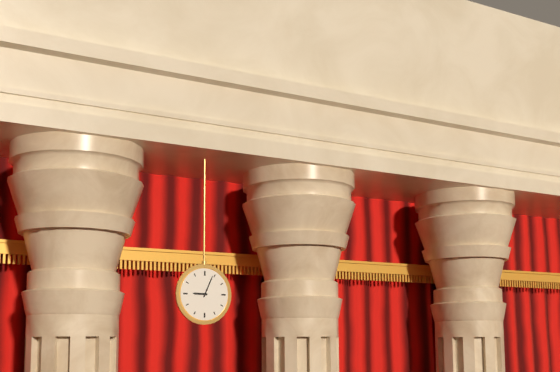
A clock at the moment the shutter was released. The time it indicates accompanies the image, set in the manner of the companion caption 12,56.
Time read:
9,04
